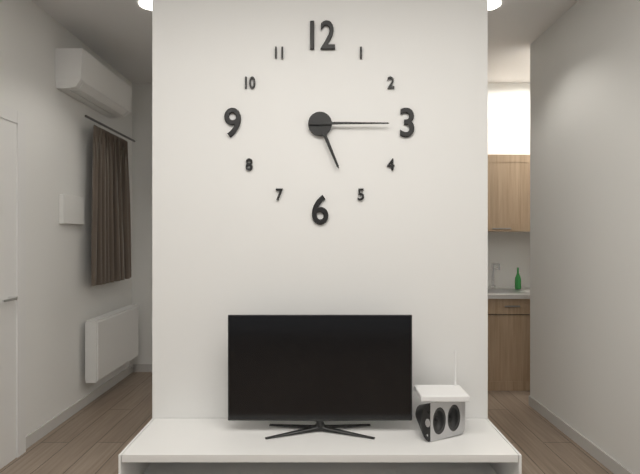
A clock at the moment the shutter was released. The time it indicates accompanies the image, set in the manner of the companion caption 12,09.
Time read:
5,15
